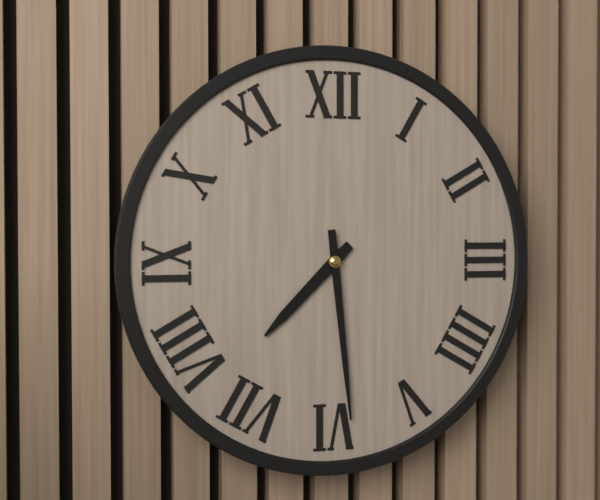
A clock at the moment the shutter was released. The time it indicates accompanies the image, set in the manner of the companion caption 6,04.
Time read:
7,29
